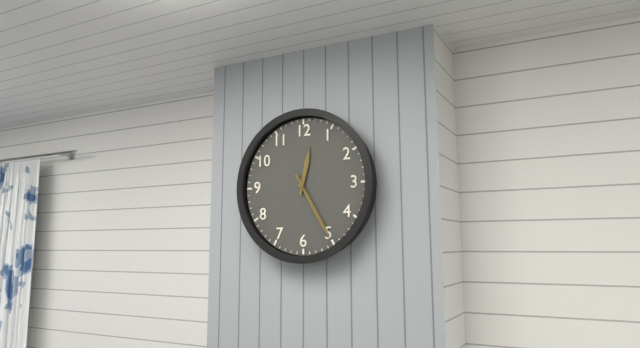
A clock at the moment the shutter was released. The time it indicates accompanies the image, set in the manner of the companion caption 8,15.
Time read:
12,25
